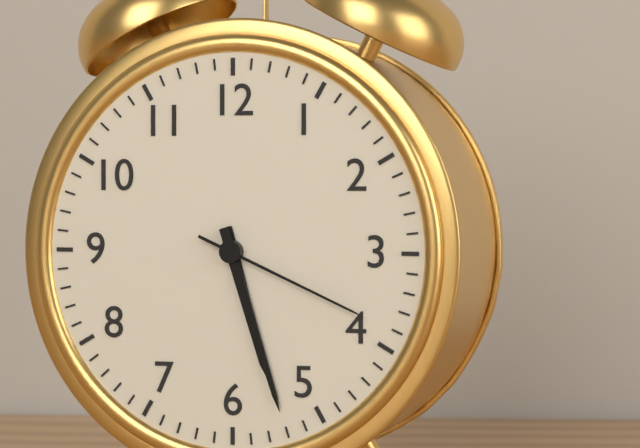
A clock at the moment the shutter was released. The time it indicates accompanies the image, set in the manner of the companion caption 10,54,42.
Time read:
5,27,19
